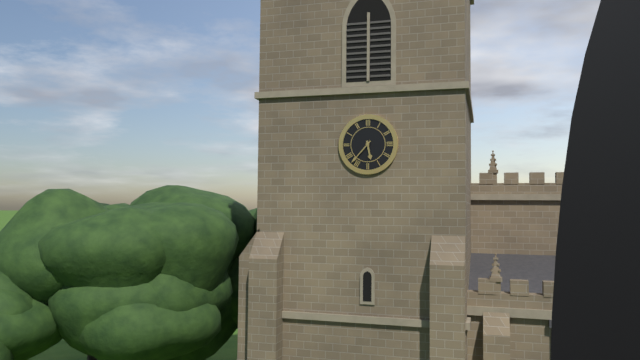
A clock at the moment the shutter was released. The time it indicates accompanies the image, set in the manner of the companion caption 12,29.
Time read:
5,37
